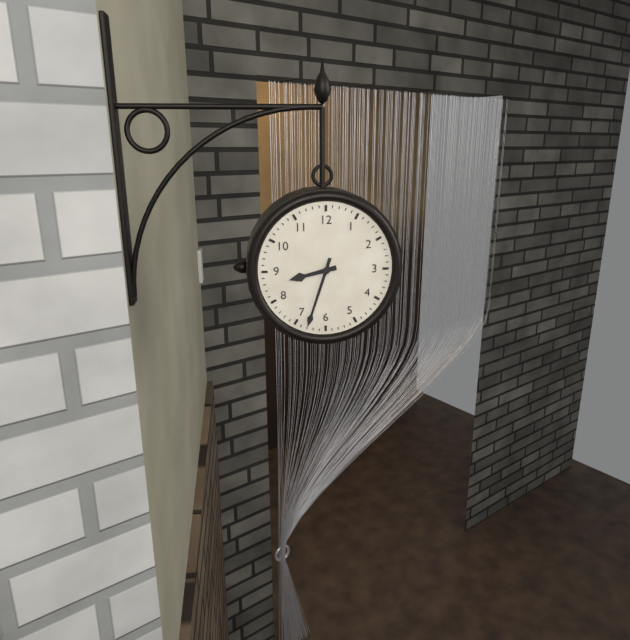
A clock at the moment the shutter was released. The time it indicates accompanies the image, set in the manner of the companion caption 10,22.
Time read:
8,33
